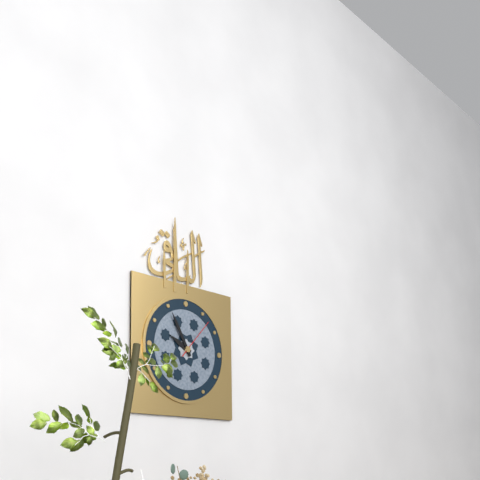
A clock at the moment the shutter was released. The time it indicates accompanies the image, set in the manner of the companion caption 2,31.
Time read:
9,55
